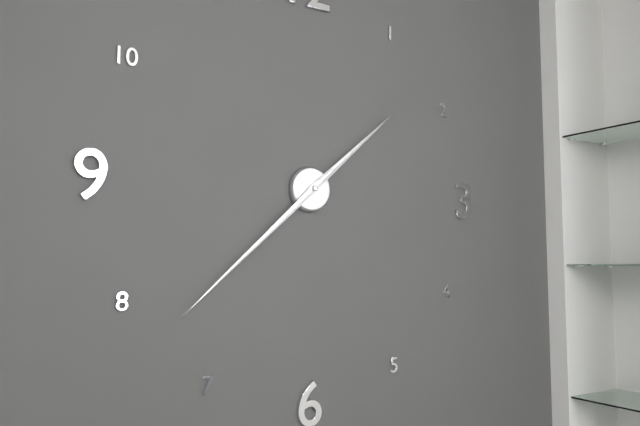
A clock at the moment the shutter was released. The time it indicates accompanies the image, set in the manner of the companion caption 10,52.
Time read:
1,38
